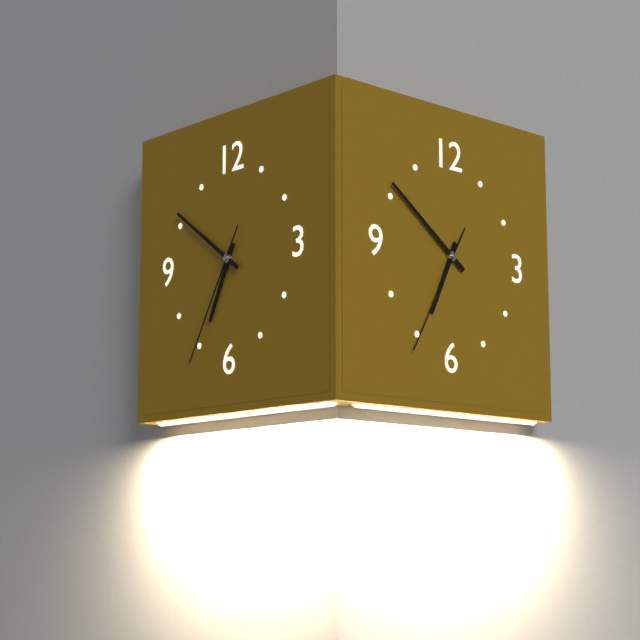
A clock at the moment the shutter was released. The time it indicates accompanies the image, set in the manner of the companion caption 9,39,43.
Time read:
6,51,35
